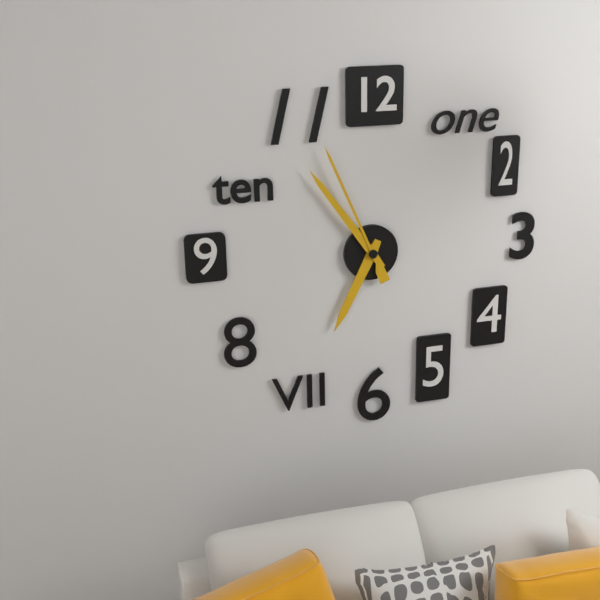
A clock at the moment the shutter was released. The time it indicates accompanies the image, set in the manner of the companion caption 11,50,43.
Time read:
6,54,56
